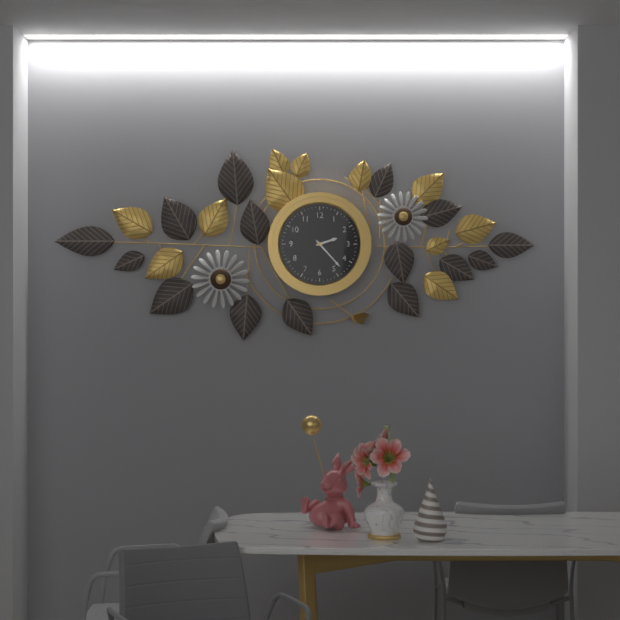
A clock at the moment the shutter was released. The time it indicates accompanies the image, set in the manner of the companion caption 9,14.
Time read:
2,23
